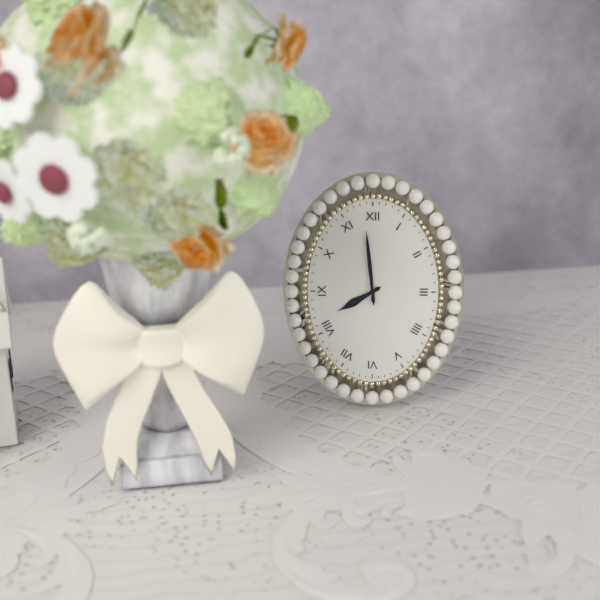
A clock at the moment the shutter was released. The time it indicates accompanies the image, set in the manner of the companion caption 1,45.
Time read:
7,59
